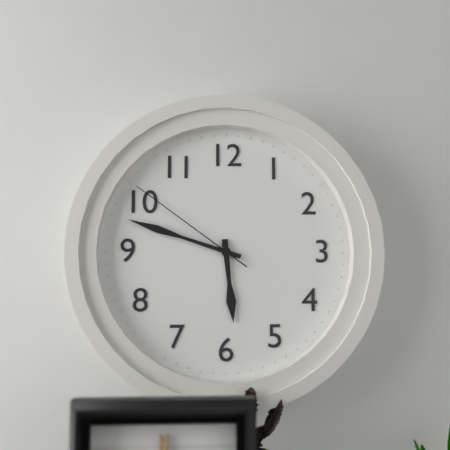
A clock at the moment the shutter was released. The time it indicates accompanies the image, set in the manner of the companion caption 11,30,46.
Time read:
5,48,51
